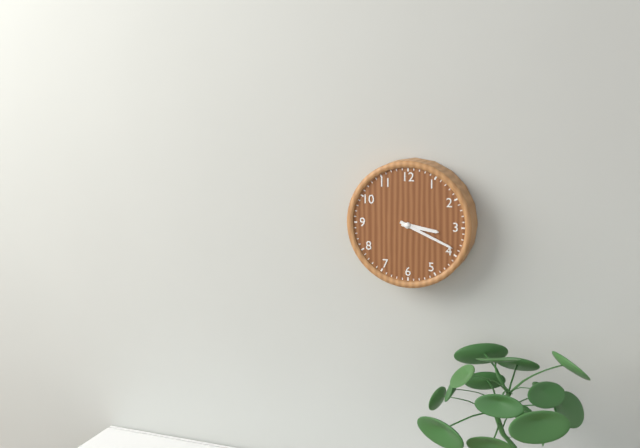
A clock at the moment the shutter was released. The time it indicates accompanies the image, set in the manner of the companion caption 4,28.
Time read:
3,19
